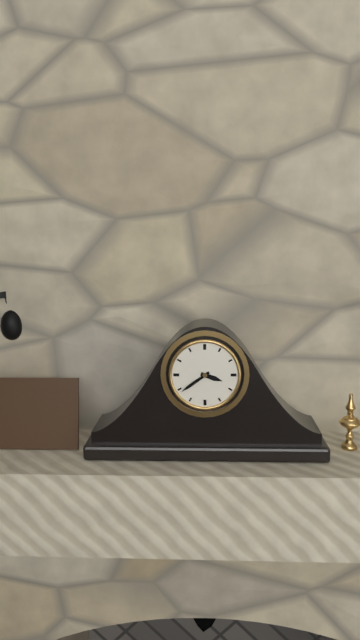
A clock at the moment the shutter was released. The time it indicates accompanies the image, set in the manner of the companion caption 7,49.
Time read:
3,39
